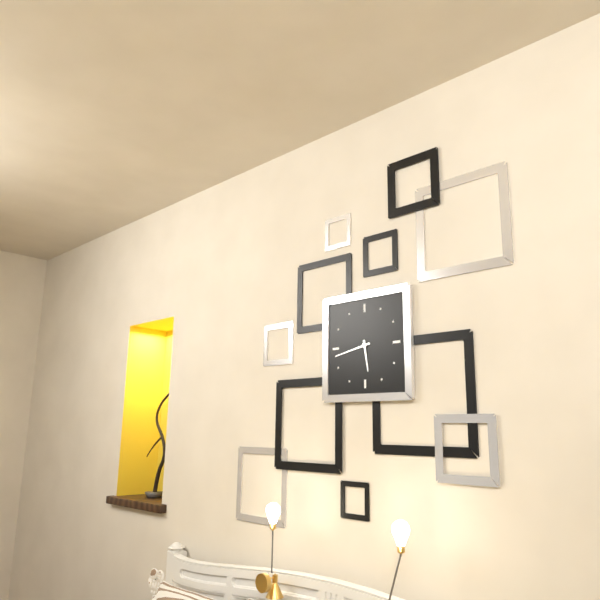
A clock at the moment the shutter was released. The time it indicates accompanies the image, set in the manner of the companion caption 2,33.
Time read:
5,43
